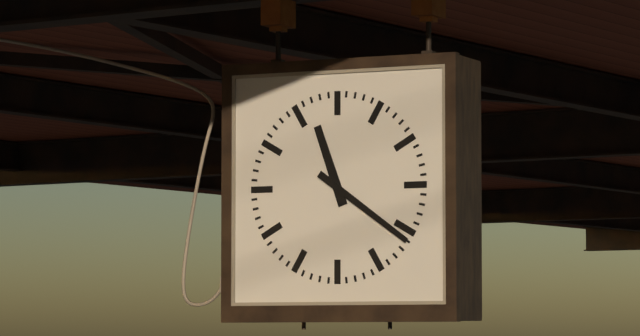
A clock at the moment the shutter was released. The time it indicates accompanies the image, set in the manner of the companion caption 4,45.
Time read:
11,21
